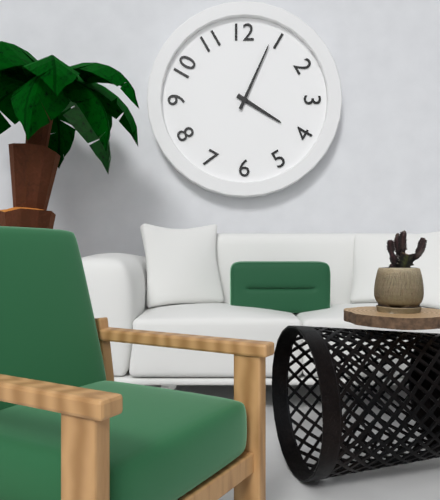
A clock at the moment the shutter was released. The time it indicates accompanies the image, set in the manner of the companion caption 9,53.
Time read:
4,04
